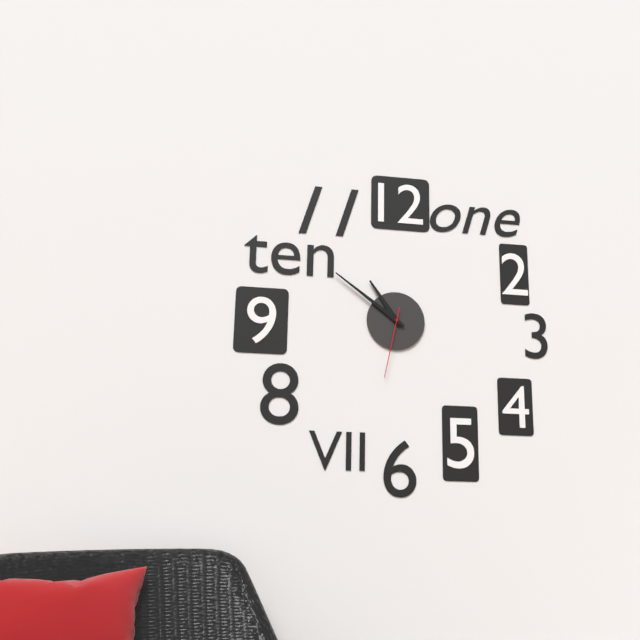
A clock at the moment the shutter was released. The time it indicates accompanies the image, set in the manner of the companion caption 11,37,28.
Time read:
10,51,32
